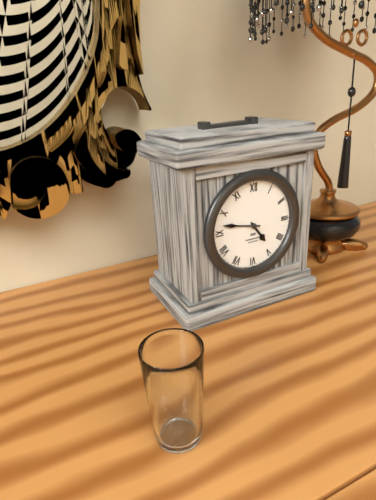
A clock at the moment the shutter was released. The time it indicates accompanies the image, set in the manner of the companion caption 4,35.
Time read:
4,47
